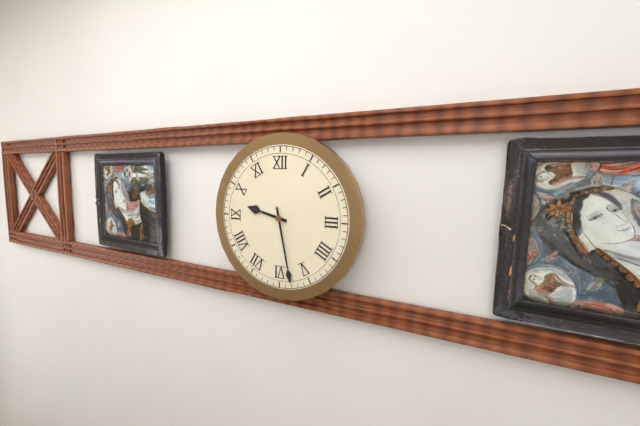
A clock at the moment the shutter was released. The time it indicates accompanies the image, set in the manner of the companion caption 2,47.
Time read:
9,28
